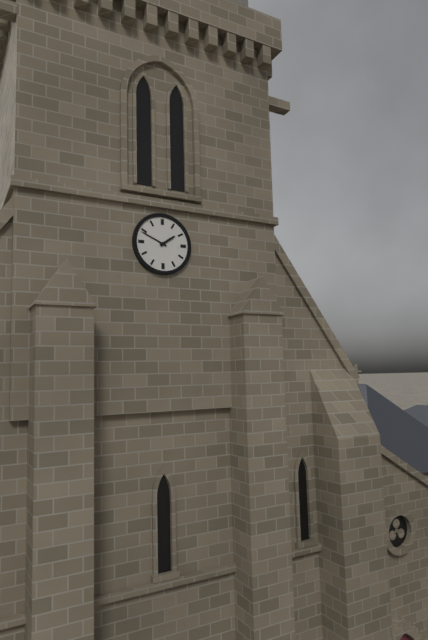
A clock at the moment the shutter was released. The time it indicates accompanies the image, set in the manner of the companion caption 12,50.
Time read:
1,49
